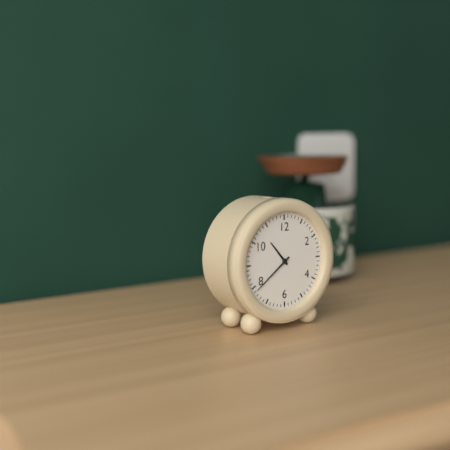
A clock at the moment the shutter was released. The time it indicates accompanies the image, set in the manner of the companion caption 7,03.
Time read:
10,39
